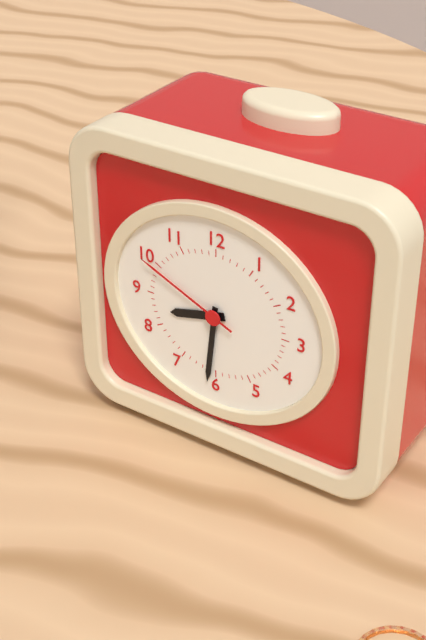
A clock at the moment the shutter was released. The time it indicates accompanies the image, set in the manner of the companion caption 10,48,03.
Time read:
8,31,49
